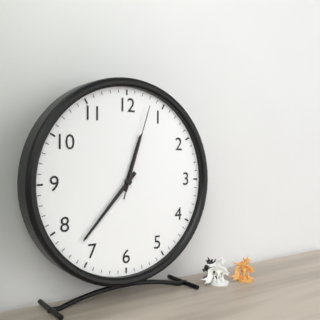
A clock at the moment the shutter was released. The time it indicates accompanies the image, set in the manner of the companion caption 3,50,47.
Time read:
12,37,03
